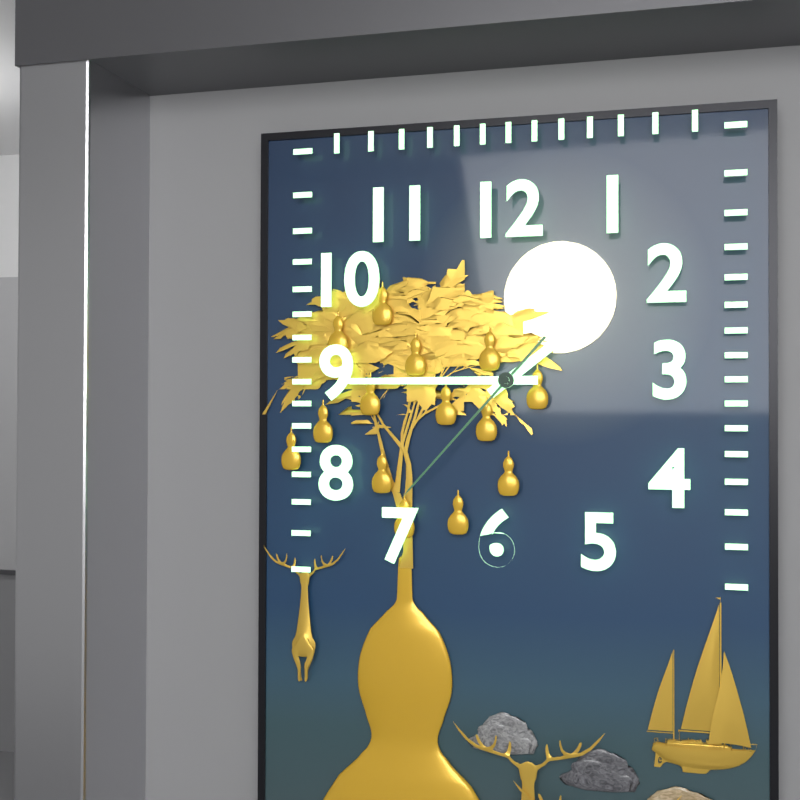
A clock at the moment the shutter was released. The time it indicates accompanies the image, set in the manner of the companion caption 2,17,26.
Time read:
1,45,37
